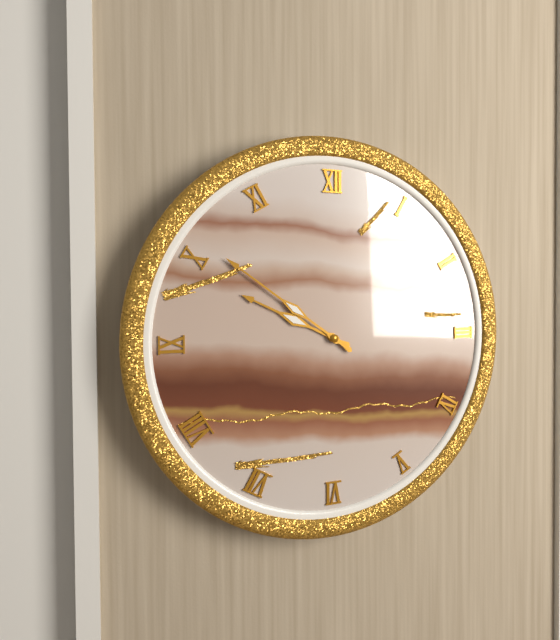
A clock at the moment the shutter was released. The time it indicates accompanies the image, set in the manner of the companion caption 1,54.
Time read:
9,51
